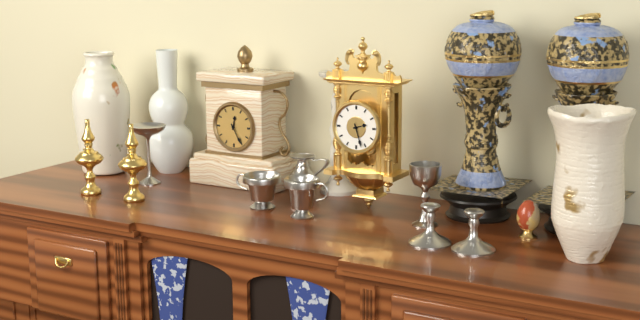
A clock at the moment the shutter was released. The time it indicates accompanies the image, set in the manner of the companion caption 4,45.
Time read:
2,27
